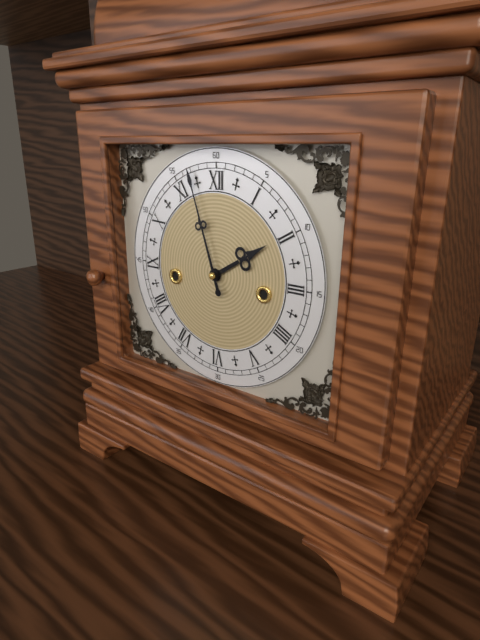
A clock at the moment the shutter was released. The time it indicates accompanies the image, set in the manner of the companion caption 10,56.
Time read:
1,57
